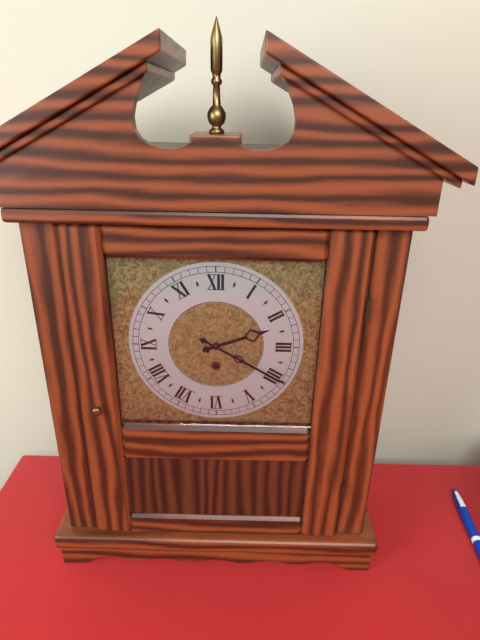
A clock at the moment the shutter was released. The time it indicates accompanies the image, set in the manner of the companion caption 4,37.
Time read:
2,20
